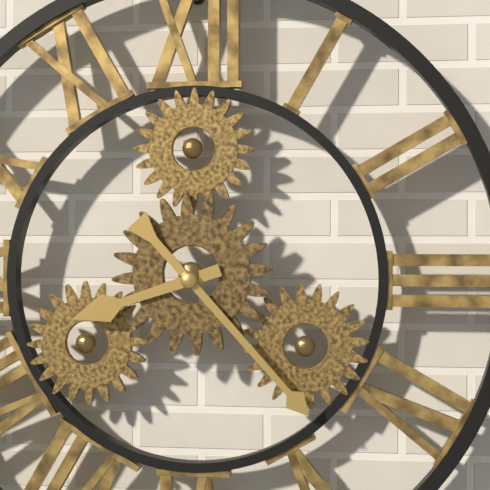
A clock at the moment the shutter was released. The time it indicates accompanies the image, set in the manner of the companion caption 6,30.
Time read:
8,23
